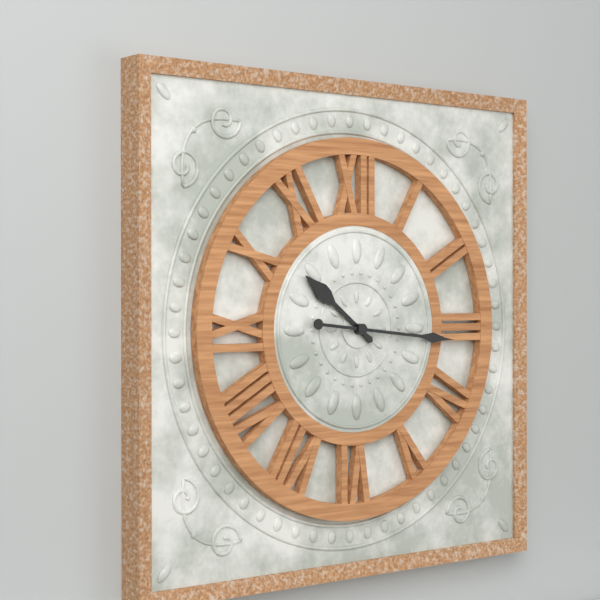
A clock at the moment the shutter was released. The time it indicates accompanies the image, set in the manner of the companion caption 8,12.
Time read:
10,16
